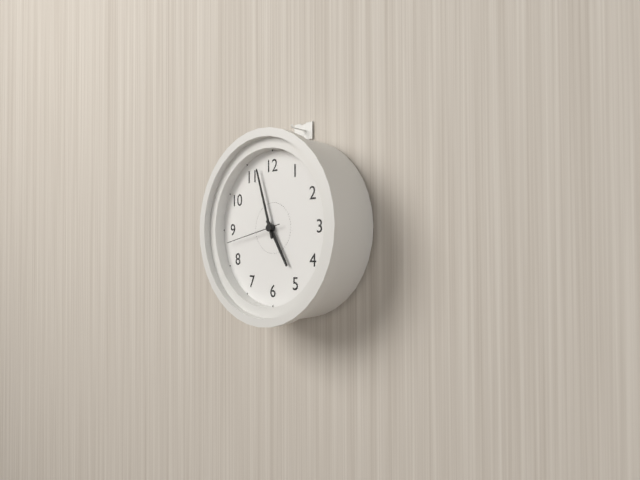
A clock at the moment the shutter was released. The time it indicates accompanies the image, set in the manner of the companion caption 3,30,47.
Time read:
4,57,43
